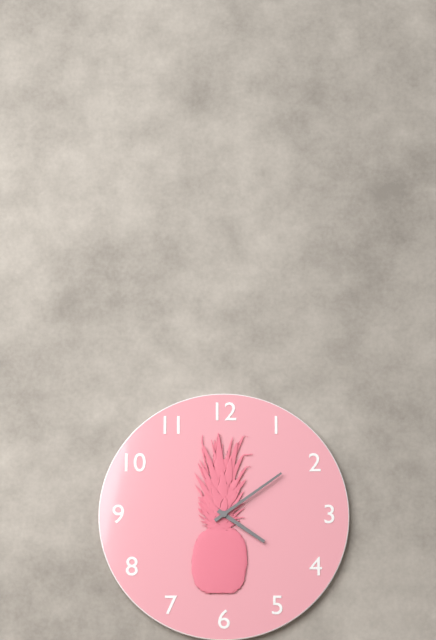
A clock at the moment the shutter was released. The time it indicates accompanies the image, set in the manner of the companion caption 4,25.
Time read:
4,09
